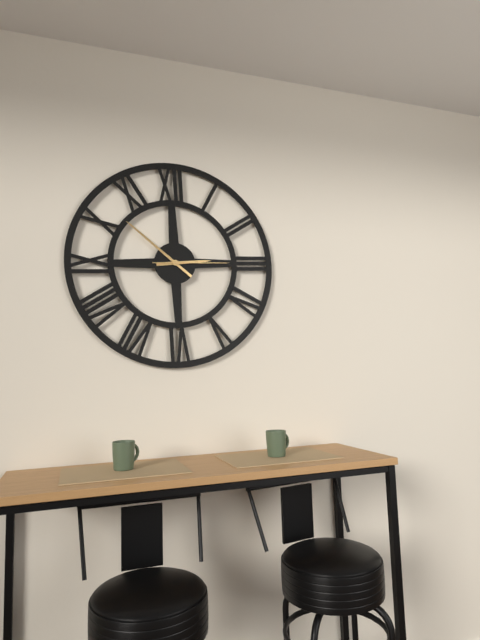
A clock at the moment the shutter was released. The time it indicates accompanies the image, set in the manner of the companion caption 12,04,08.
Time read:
2,52,15
